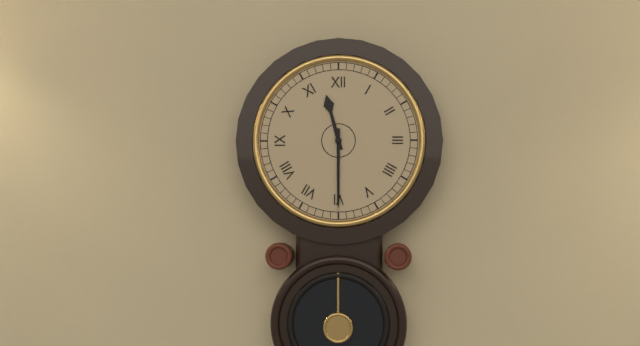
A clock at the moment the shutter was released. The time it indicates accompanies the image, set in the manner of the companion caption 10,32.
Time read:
11,30
